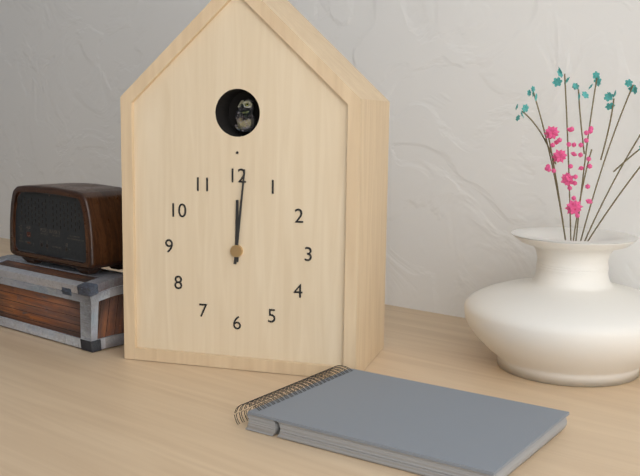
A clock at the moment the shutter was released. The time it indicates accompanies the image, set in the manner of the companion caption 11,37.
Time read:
12,01
